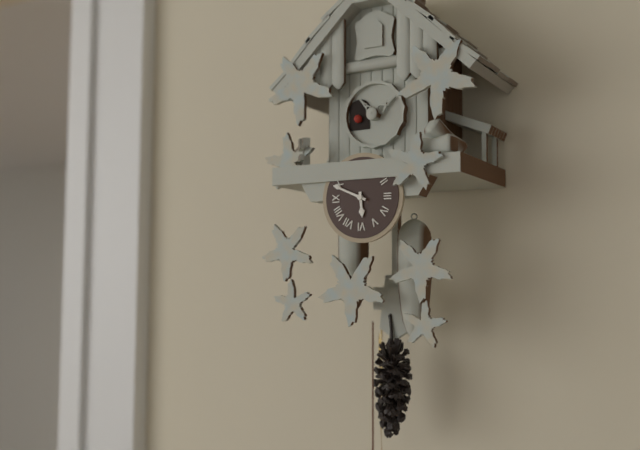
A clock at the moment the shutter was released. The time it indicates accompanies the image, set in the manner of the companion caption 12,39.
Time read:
5,49
